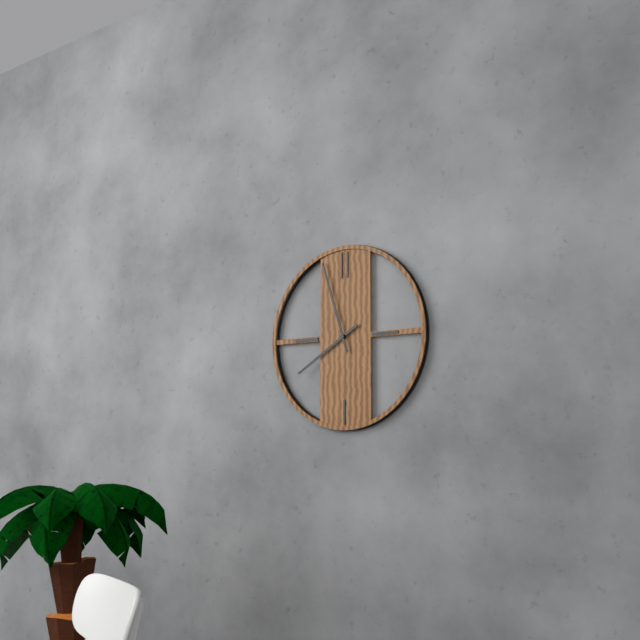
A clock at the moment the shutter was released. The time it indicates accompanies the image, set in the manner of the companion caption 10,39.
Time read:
7,57
